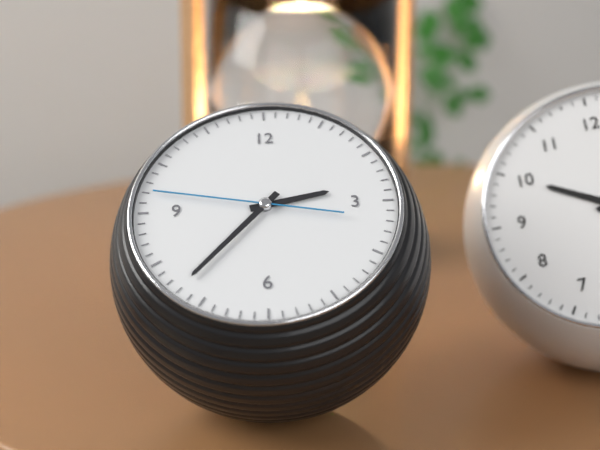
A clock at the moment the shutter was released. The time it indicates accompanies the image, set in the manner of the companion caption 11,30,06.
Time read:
2,37,47
